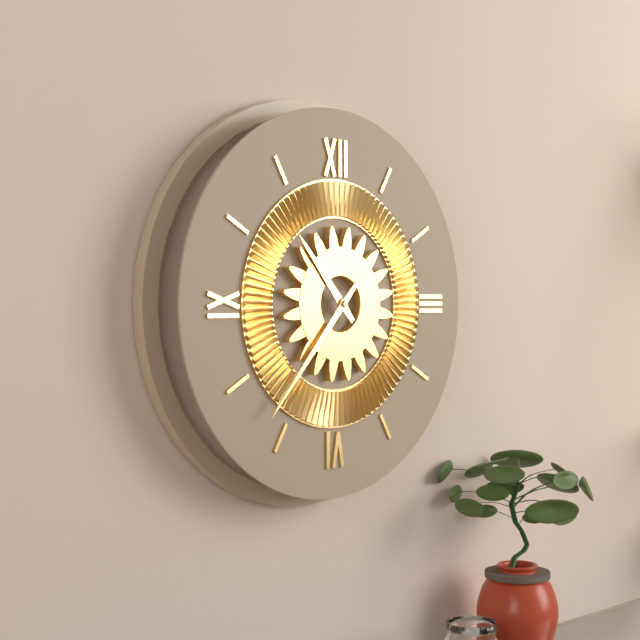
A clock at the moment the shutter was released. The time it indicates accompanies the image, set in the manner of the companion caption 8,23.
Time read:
10,37
